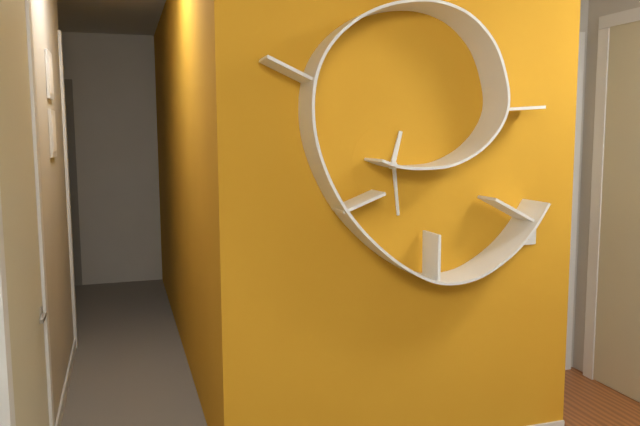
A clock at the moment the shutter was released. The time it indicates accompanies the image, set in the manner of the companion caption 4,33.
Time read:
12,29
